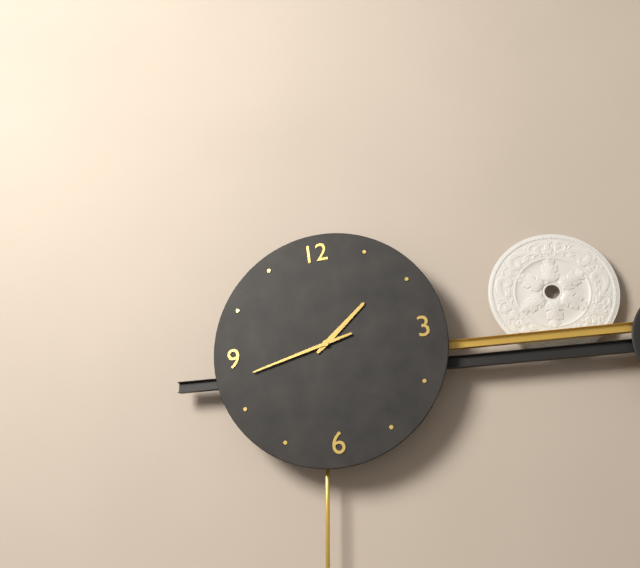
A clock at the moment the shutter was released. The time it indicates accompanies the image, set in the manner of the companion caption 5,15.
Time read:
1,43
